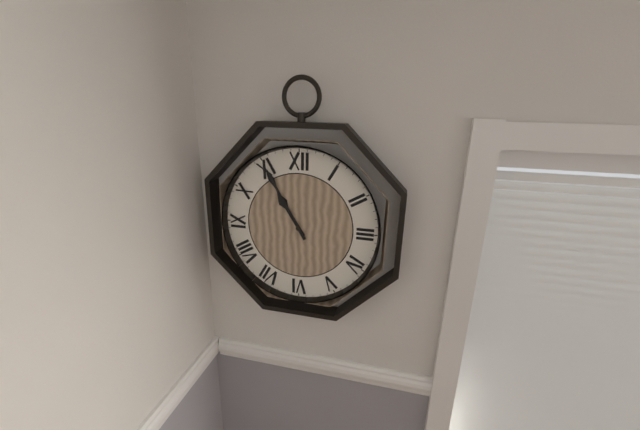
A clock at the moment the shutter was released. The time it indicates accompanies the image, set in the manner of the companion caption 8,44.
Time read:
10,55
